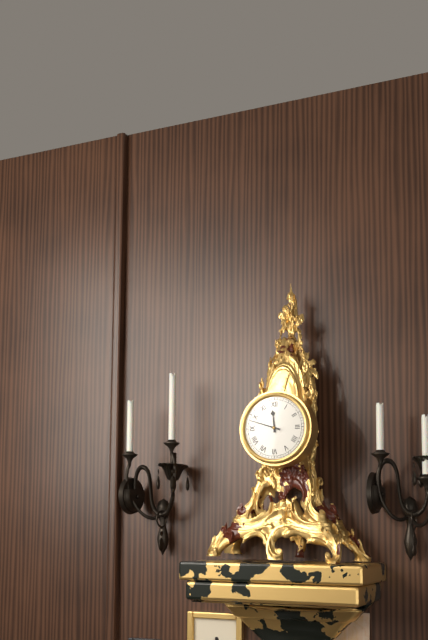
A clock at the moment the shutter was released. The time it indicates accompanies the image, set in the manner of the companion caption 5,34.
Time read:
11,48
